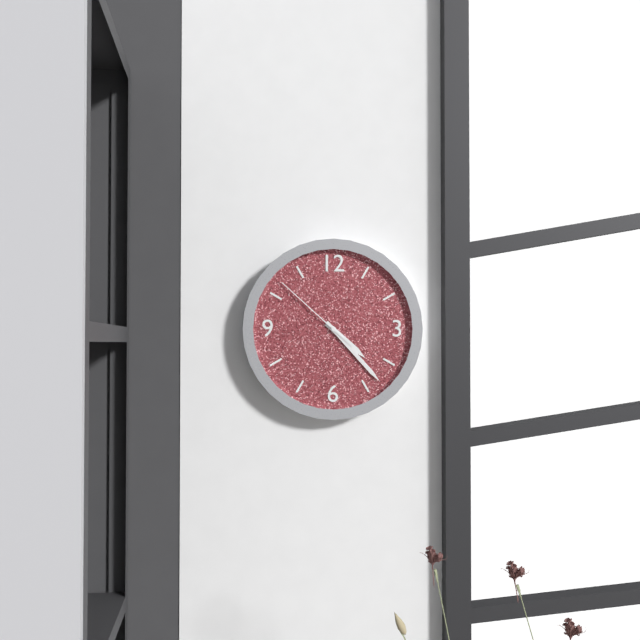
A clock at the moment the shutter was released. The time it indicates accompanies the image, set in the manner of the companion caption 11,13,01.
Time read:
4,23,52
